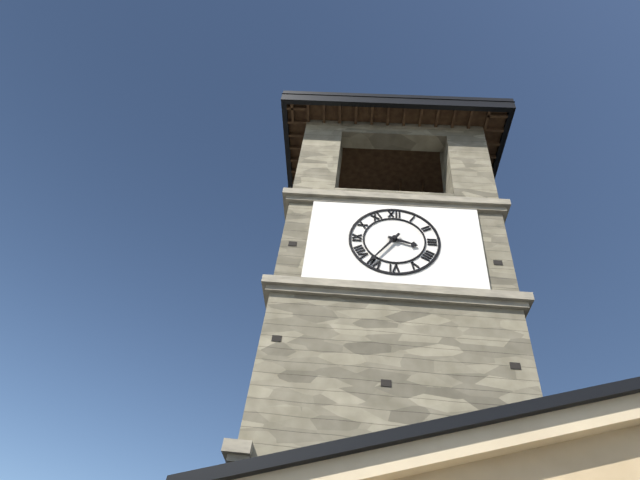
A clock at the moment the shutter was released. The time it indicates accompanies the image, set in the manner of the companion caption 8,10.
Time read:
3,36
